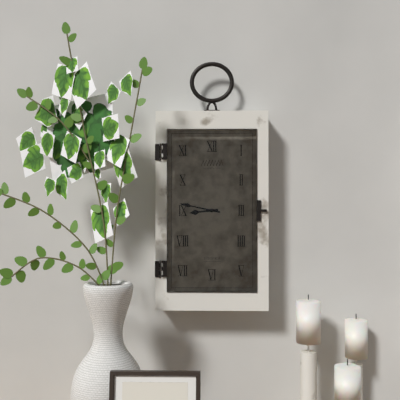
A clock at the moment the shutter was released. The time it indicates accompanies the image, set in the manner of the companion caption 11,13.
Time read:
8,47
